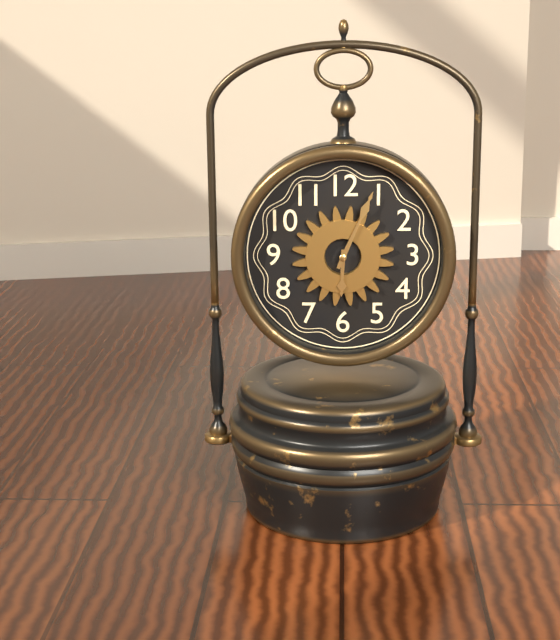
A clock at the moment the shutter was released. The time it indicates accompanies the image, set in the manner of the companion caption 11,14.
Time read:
6,04
